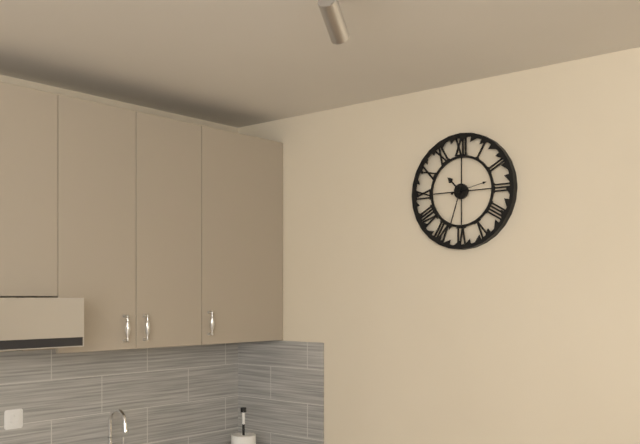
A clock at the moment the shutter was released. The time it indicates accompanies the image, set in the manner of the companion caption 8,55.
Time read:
10,33
